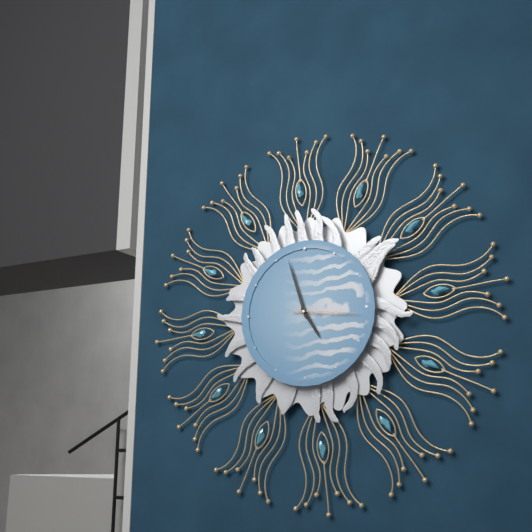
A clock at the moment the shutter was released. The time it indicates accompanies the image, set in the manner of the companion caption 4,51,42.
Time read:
4,57,16
